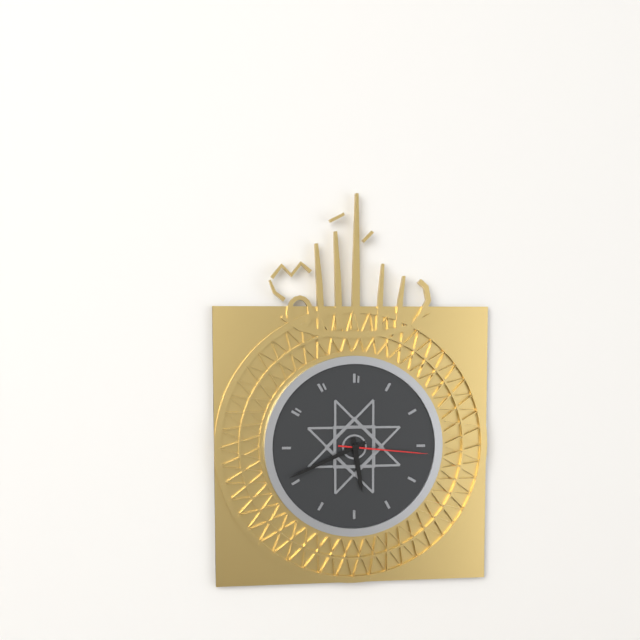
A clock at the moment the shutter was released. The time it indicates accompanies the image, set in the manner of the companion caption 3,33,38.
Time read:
5,41,16
